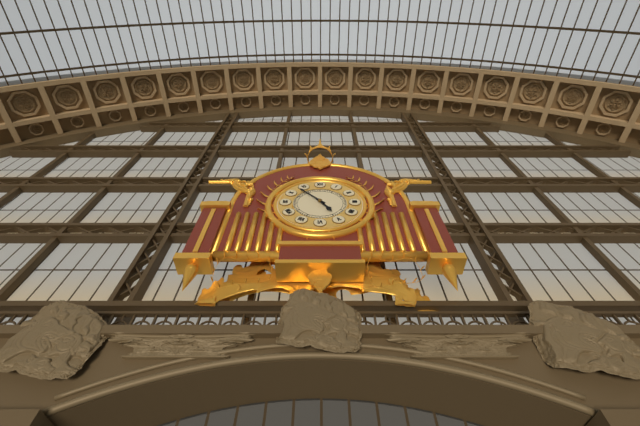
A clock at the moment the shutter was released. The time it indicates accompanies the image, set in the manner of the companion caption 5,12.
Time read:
4,53
